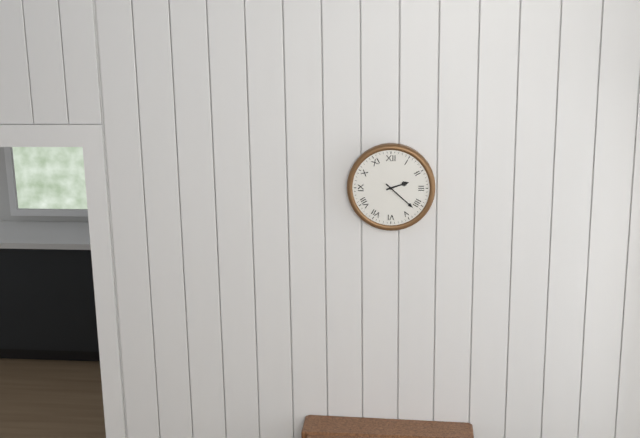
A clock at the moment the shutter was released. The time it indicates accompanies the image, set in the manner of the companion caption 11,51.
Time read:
2,22
